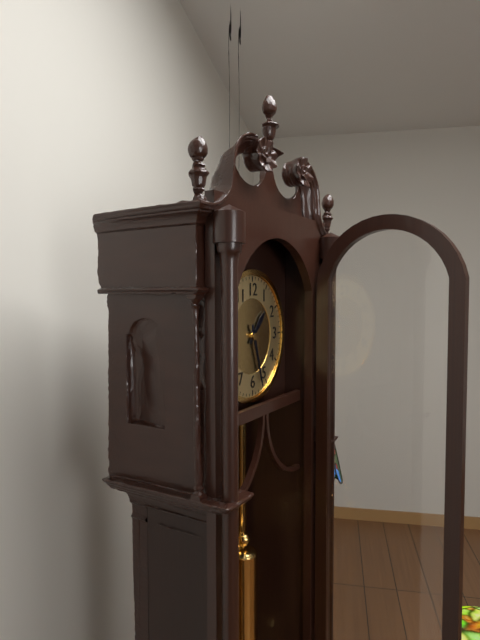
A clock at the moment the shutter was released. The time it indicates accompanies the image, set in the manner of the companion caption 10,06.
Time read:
1,27
